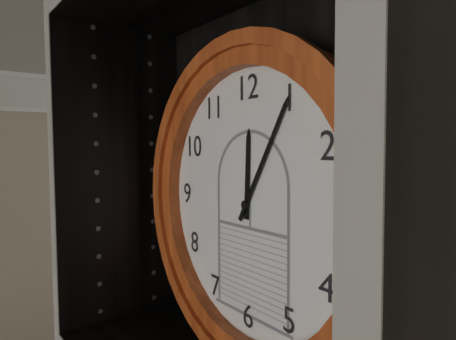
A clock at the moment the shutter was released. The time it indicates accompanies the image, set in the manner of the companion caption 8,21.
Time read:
12,05
